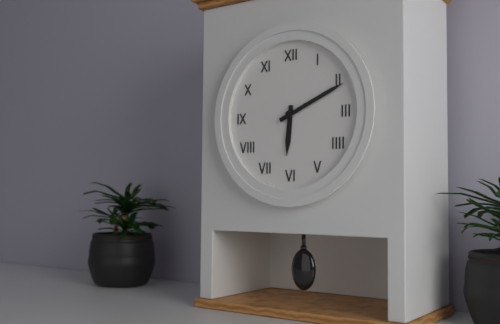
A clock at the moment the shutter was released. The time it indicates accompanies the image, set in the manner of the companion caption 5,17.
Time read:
6,11
